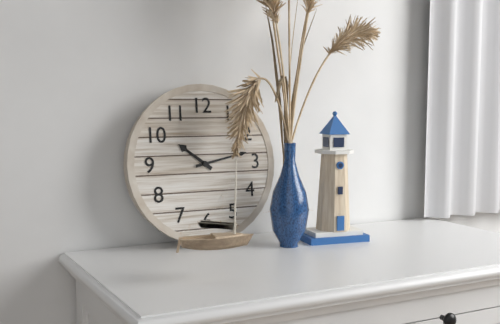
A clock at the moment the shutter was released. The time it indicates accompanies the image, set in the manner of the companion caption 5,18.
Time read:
10,13
